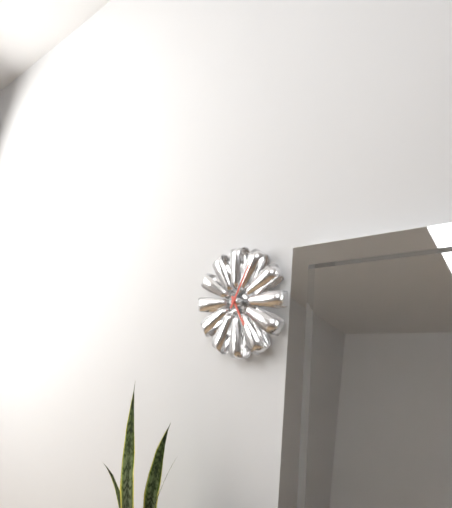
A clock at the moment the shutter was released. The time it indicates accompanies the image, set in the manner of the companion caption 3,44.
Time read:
5,05
